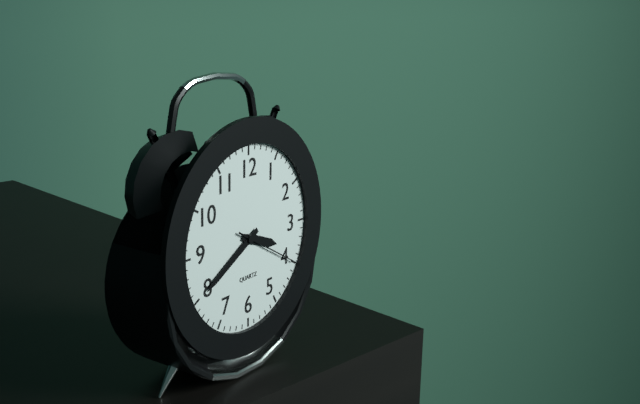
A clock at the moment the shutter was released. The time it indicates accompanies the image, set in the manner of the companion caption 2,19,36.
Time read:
3,40,20
